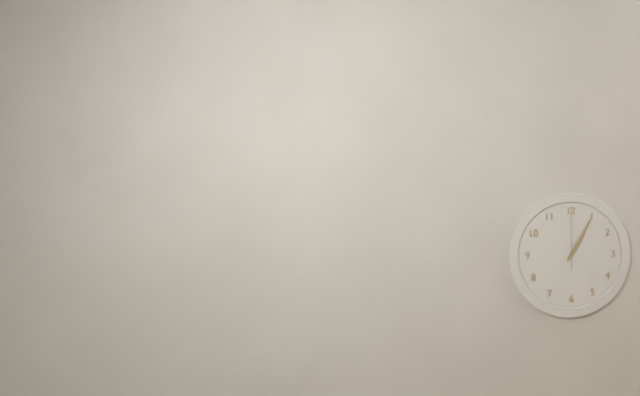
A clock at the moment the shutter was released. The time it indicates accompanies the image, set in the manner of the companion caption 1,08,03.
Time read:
1,05,00
